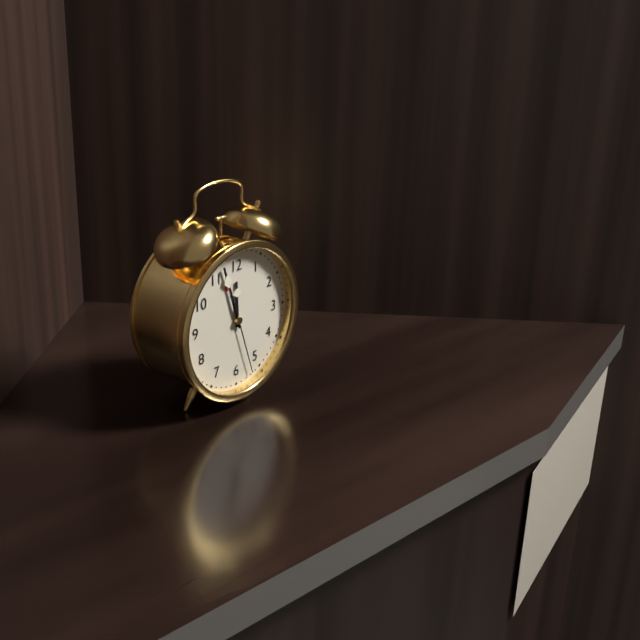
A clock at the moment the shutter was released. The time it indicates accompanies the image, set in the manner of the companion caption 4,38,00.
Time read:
11,57,27
